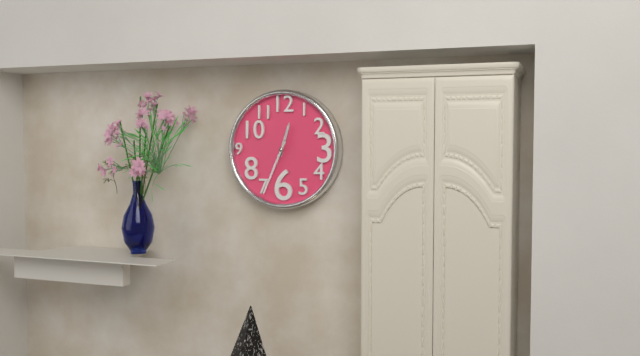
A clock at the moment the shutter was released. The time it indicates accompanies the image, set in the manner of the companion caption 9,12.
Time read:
12,34
